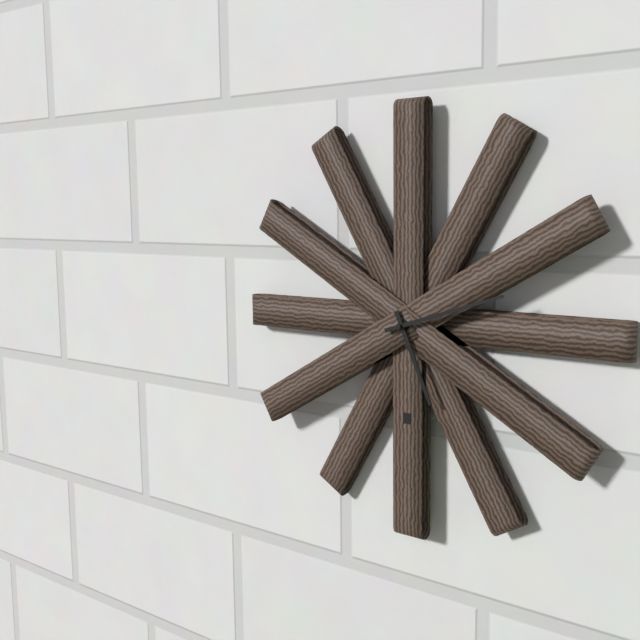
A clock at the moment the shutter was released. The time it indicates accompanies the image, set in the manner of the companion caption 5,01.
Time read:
5,12
